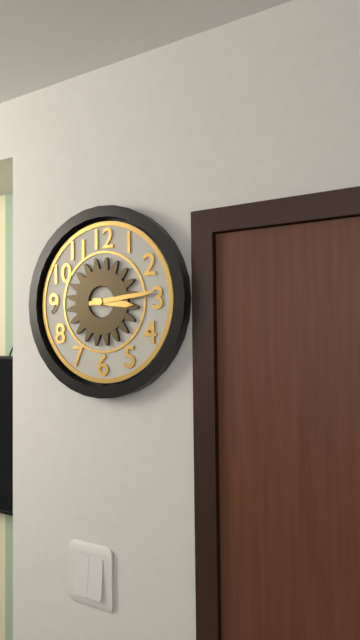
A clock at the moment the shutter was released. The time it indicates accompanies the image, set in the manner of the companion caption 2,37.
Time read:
3,14
